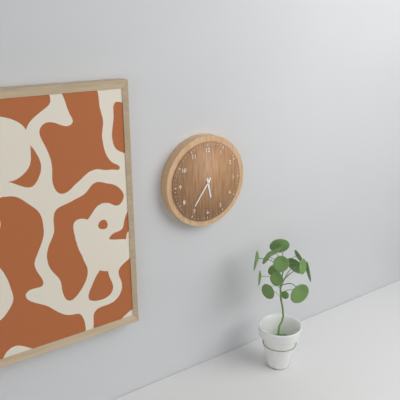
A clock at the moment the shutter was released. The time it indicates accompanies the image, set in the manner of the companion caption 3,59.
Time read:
5,36
